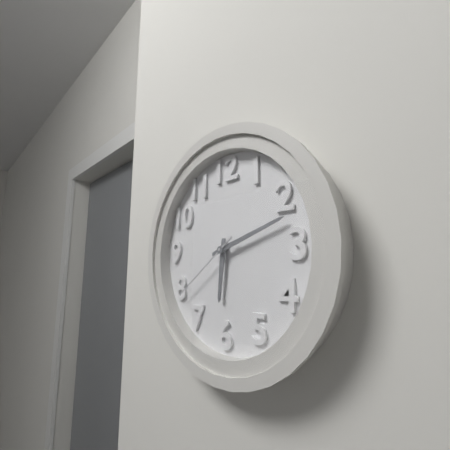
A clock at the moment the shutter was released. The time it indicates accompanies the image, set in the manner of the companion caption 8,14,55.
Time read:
6,12,39
